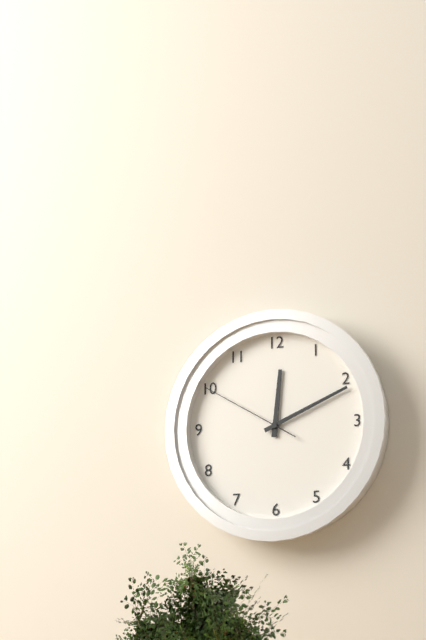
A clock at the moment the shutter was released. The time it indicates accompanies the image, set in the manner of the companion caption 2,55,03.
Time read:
12,11,50
